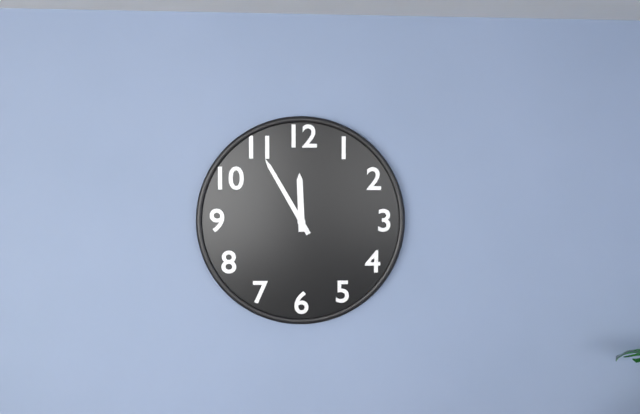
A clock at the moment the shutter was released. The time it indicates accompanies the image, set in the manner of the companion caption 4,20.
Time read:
11,55
